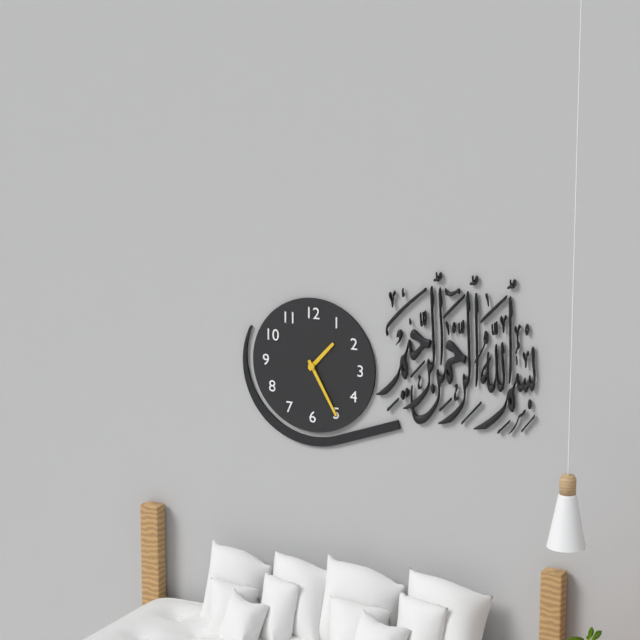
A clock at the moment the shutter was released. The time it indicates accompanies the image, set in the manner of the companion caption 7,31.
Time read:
1,25
